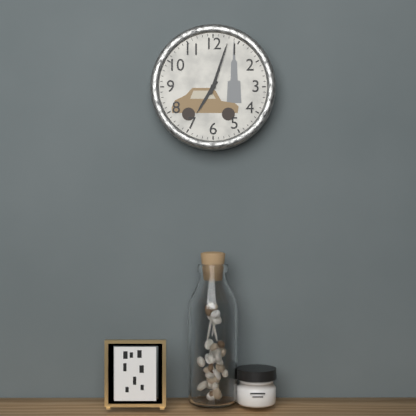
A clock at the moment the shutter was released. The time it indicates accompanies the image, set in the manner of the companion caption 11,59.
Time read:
7,03
